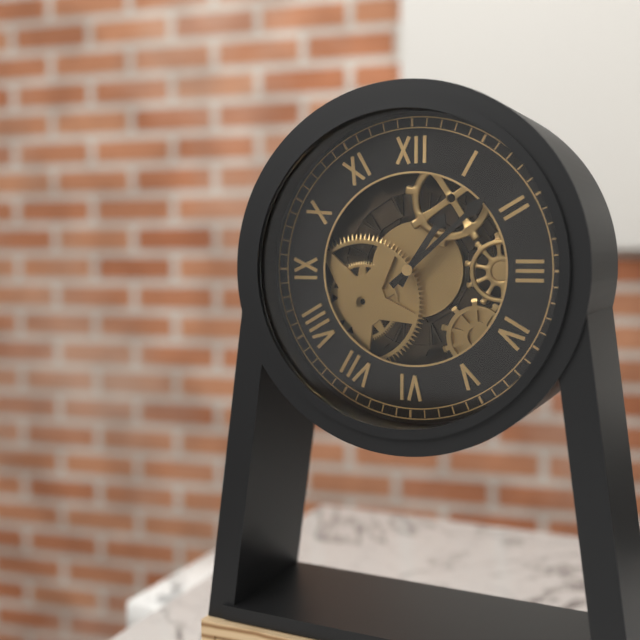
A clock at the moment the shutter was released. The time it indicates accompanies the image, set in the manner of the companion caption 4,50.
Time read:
1,08
